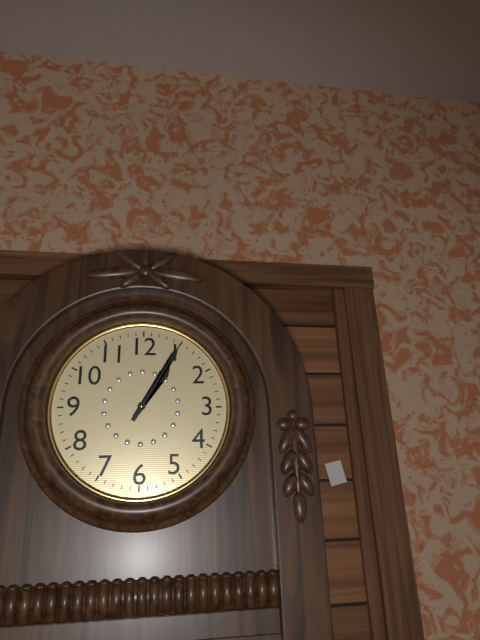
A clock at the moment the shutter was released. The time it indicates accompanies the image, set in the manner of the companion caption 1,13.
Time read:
1,05
